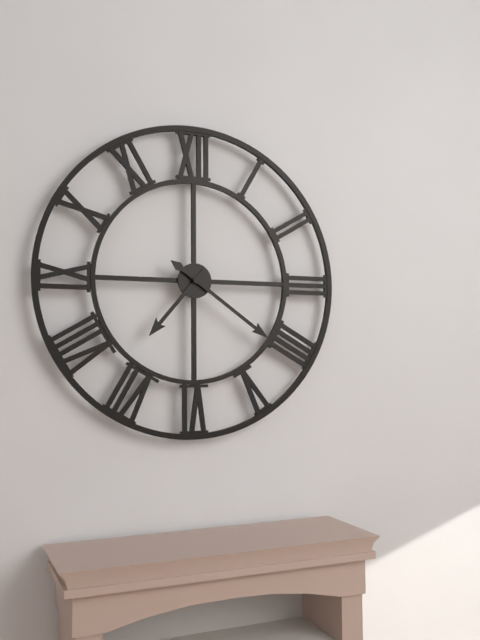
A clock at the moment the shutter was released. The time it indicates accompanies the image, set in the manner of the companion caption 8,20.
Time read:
7,21
